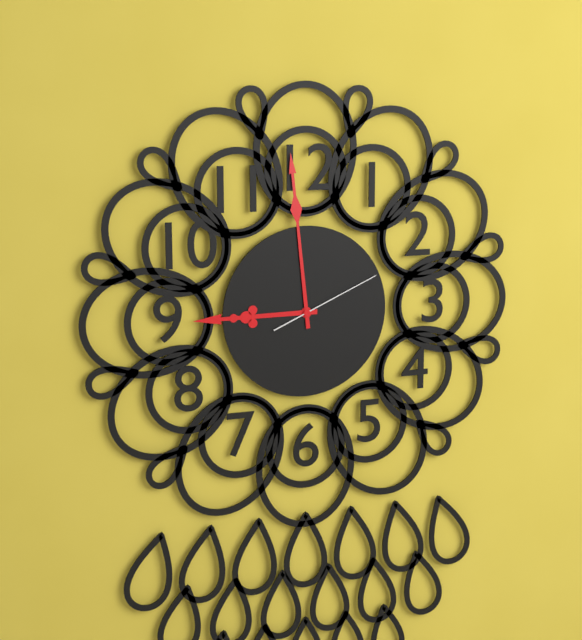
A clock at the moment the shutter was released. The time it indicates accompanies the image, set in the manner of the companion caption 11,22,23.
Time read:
8,59,11
